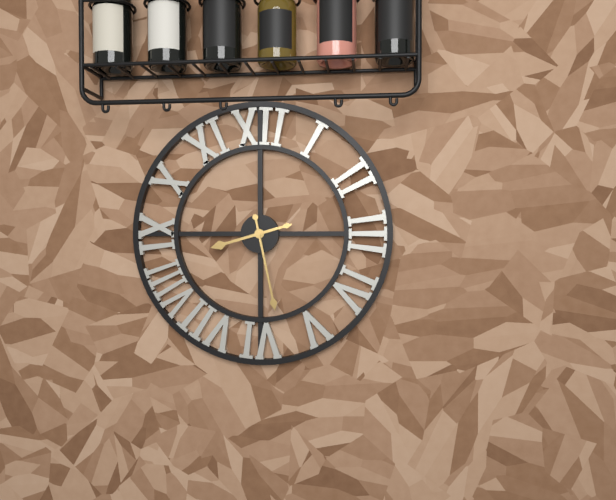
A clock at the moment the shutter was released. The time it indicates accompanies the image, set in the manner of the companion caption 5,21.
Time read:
8,28
